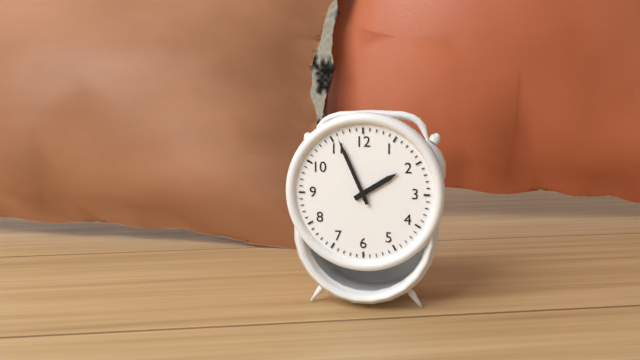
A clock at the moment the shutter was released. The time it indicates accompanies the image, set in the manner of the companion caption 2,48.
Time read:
1,56
